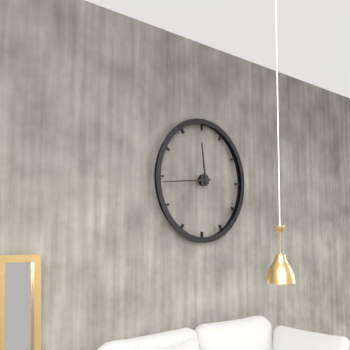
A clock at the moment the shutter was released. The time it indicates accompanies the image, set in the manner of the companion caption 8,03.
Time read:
11,44
